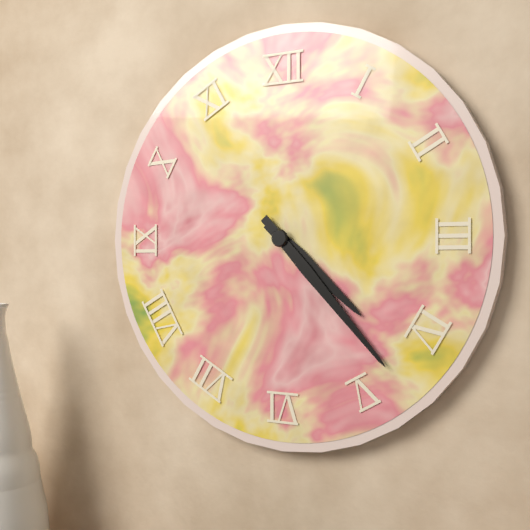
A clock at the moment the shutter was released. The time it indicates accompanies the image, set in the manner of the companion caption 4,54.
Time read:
4,23
